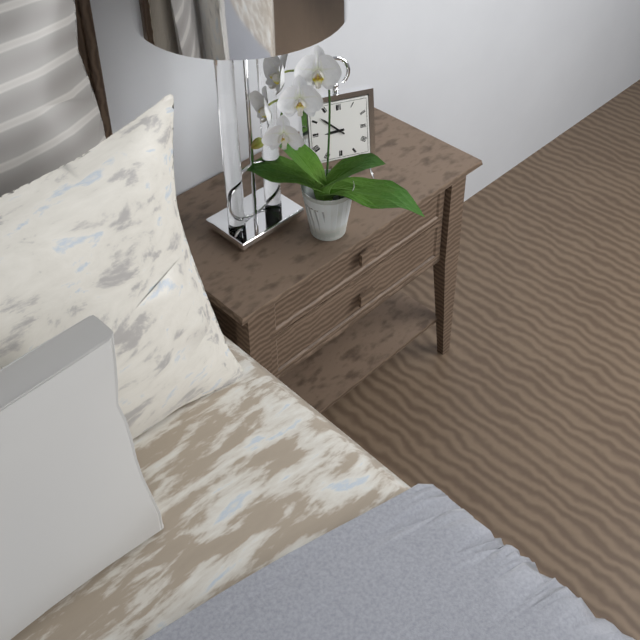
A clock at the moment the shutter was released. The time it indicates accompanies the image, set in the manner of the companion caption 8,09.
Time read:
8,52
